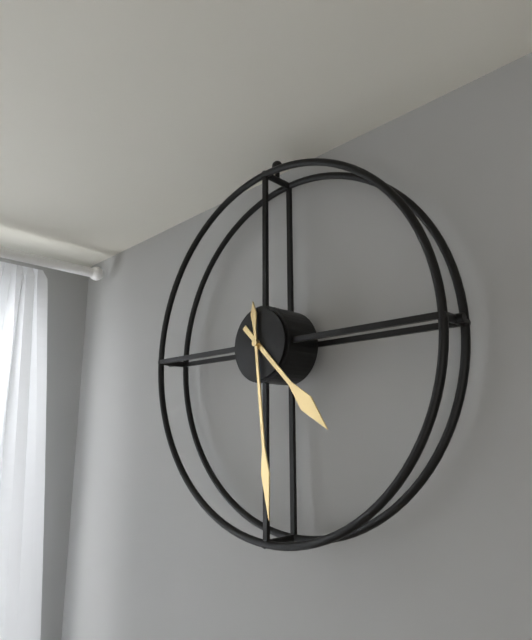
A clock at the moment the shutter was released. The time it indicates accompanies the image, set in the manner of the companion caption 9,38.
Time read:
4,29
